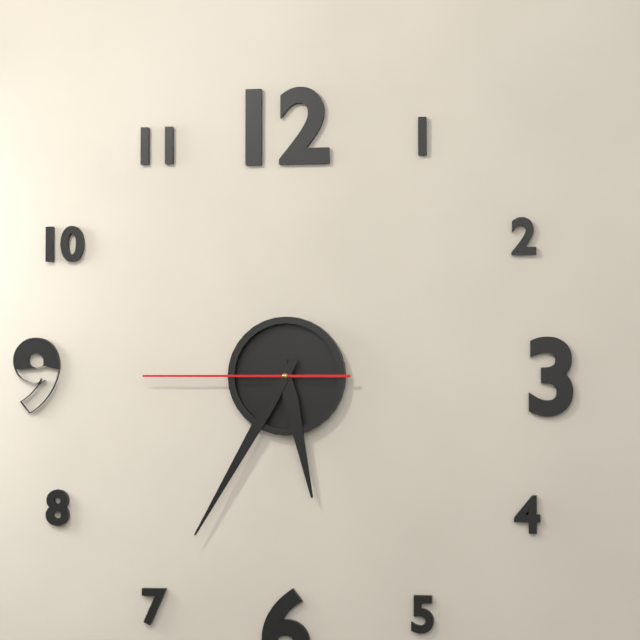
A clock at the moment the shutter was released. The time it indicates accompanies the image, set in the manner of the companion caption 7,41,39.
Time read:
5,35,45
